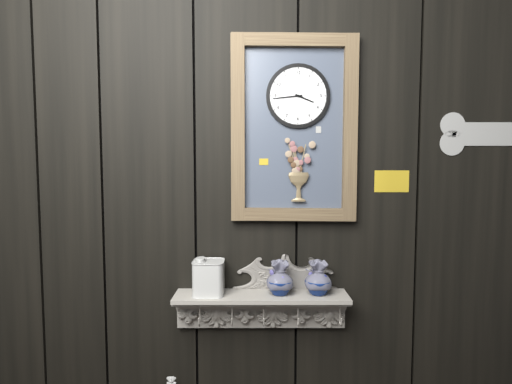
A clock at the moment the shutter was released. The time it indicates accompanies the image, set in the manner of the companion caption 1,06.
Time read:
3,44
